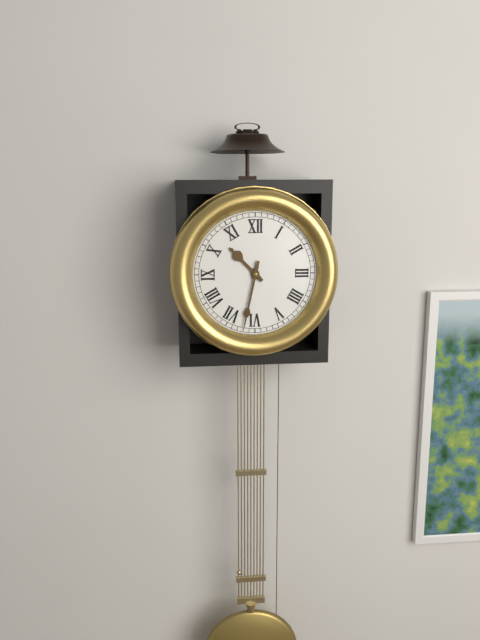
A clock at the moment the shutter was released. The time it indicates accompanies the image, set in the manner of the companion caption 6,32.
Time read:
10,32
